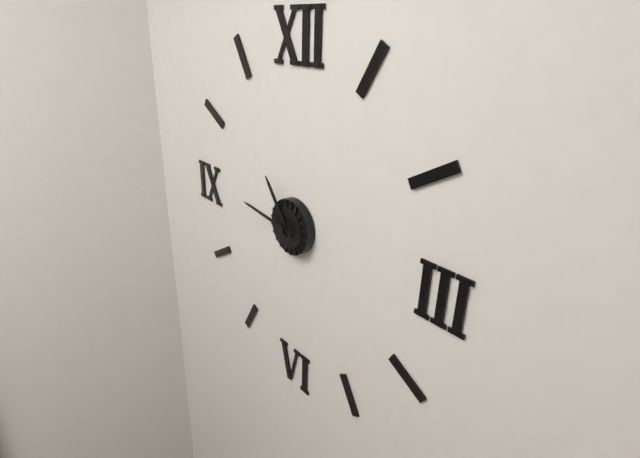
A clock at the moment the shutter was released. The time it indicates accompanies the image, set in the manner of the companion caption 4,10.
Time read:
10,46
